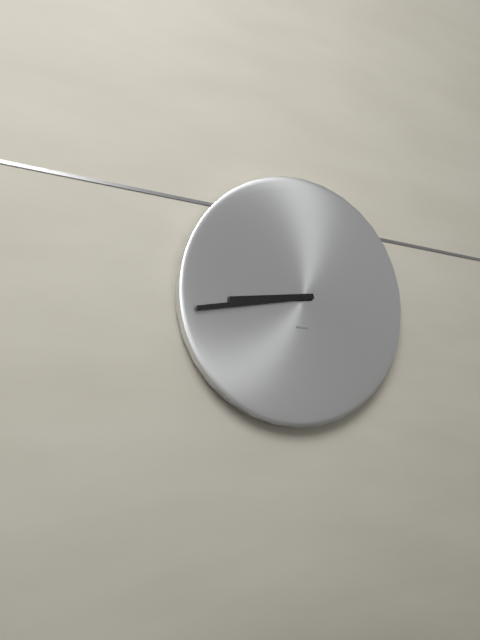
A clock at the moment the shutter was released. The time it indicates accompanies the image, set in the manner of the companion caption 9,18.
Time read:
8,43
